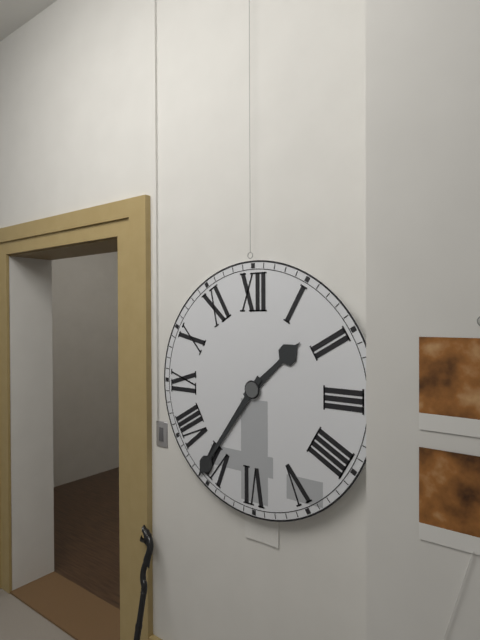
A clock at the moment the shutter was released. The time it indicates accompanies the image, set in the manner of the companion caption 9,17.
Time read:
1,36
